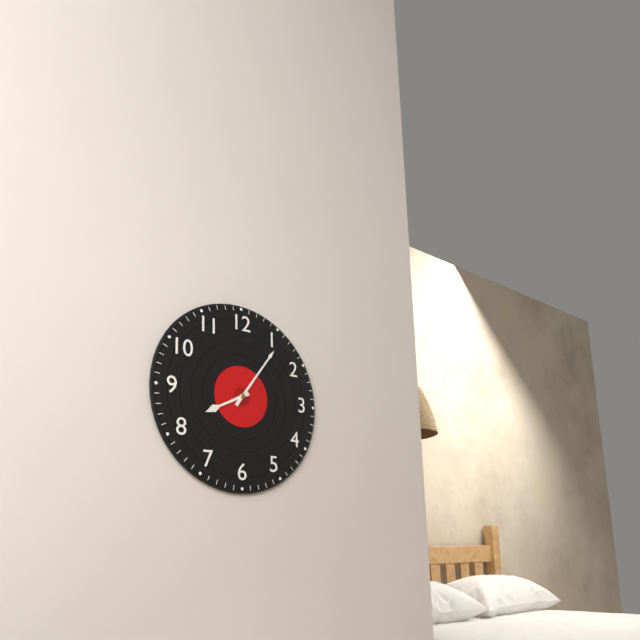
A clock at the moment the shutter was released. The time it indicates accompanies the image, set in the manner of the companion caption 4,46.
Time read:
8,06
